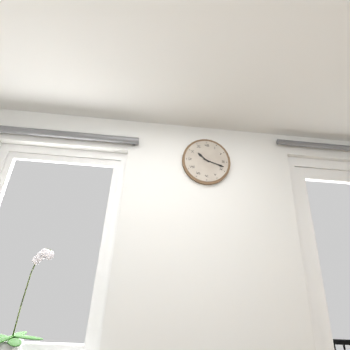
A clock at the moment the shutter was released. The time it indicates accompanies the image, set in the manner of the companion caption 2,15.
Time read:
10,18
